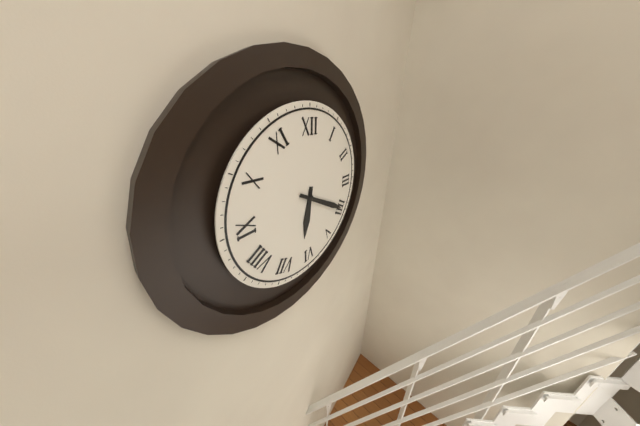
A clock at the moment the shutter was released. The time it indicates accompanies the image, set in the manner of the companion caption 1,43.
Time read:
6,20
